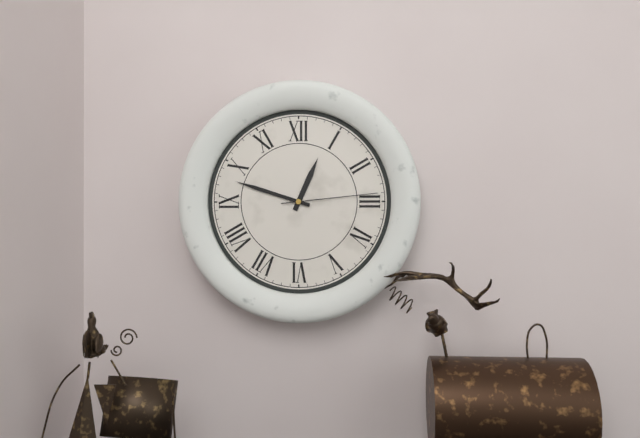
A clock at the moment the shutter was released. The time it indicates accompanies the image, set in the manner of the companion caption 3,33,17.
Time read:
12,48,14
